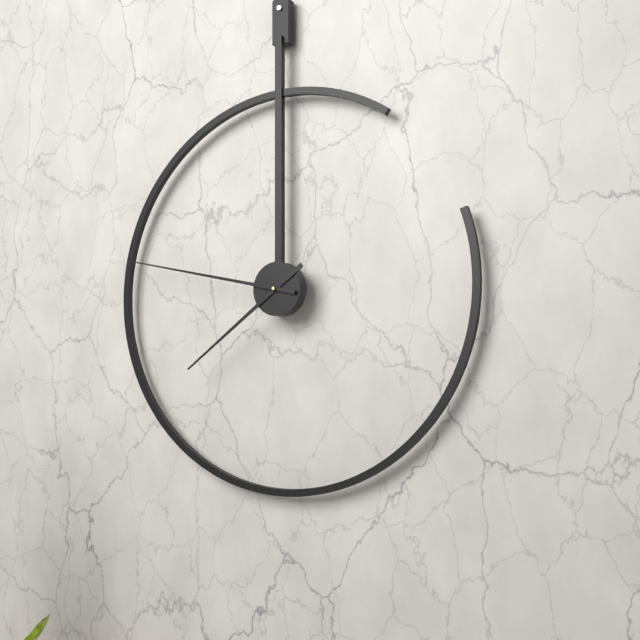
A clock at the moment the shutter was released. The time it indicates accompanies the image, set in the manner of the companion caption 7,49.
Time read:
7,47
